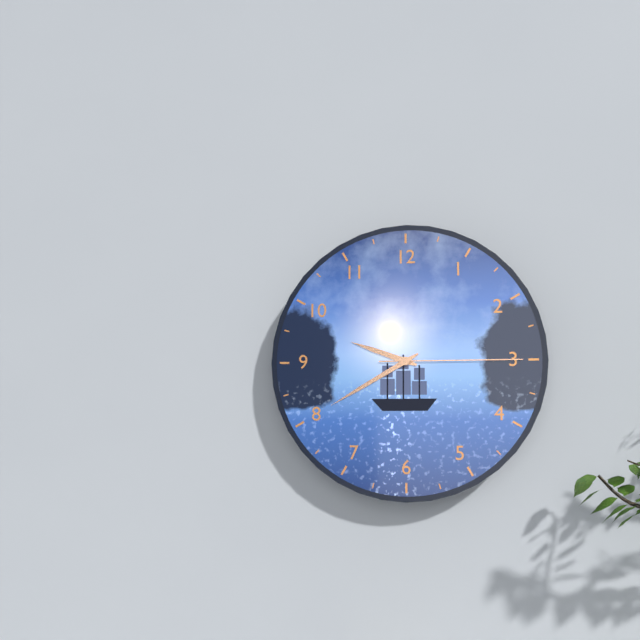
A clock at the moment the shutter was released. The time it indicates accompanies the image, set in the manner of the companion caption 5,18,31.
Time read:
9,40,15
